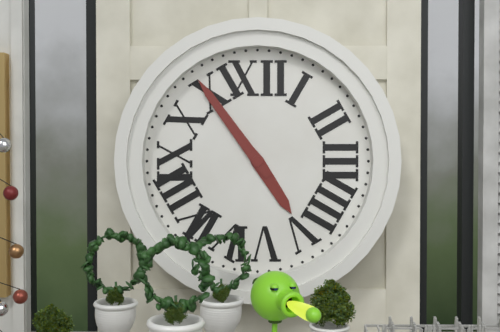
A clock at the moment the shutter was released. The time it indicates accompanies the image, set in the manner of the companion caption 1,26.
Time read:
4,54
